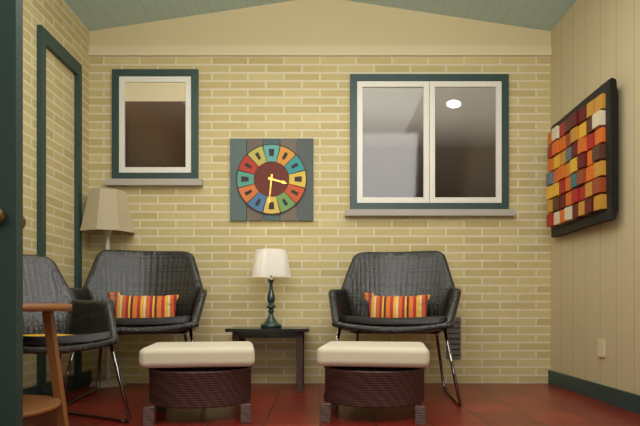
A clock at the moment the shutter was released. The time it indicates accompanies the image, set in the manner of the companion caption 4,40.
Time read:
3,31
